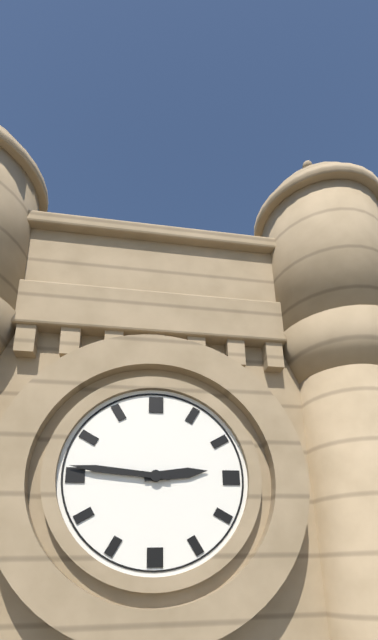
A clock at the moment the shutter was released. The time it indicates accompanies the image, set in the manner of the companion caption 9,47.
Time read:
2,46
